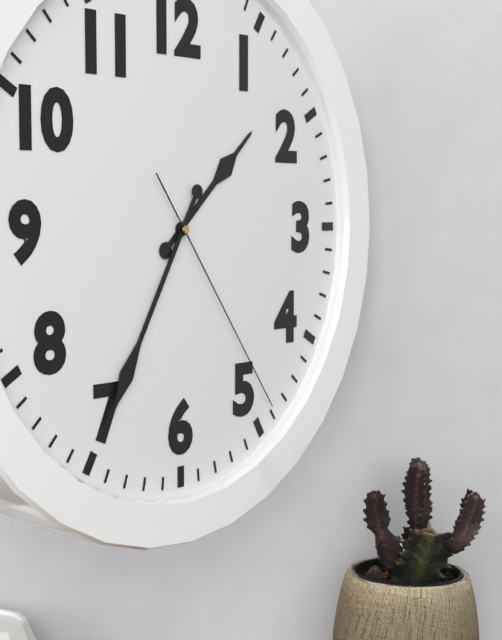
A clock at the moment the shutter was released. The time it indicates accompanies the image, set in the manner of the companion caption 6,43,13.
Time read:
1,35,24
